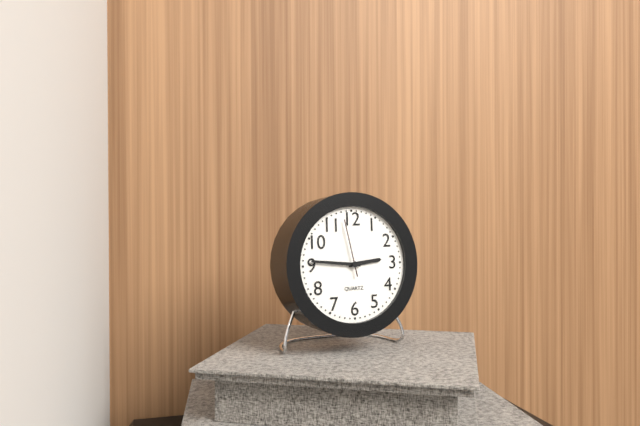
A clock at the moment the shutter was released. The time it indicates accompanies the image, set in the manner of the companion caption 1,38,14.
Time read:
2,46,58
